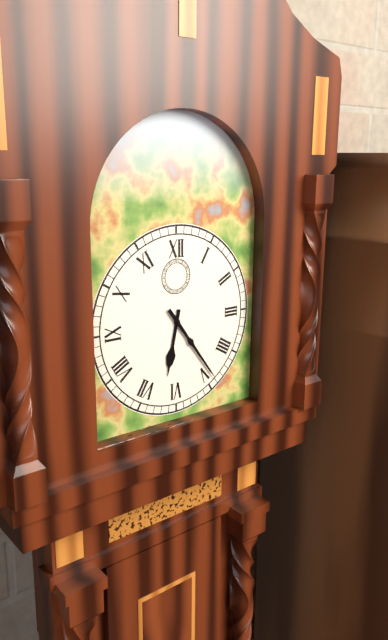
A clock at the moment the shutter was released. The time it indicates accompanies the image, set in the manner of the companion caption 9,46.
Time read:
6,24
